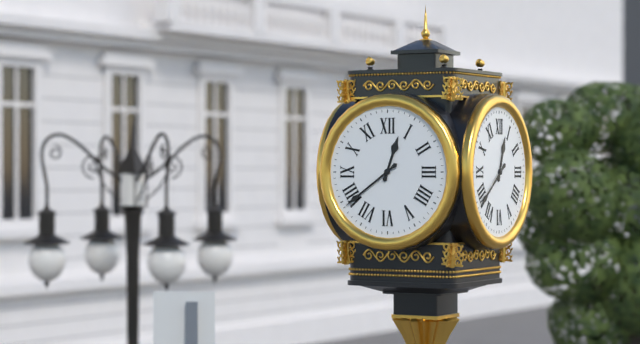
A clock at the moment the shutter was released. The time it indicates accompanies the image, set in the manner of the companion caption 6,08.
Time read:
12,39
